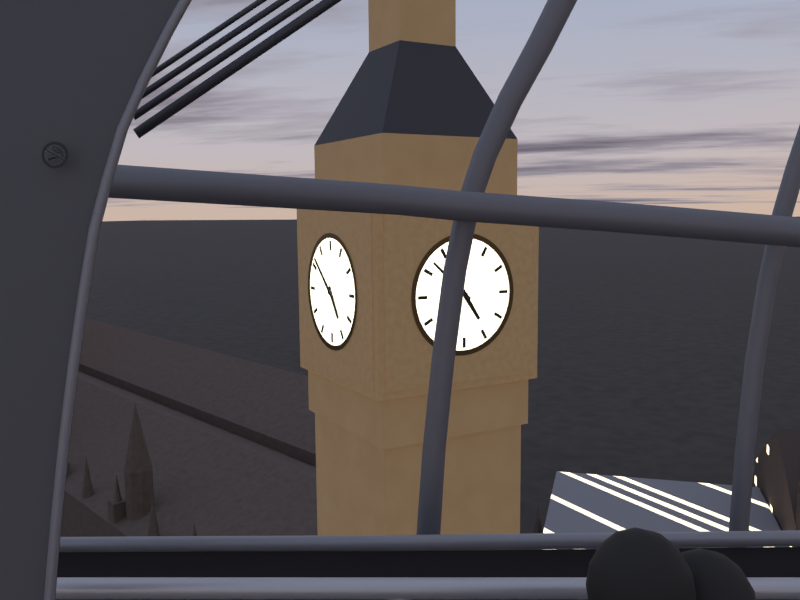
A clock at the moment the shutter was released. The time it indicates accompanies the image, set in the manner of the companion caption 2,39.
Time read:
4,52
